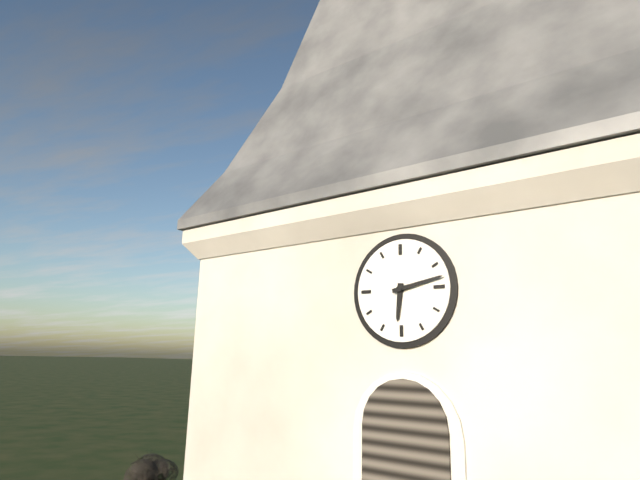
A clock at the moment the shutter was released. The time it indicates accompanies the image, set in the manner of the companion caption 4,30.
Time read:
6,13
